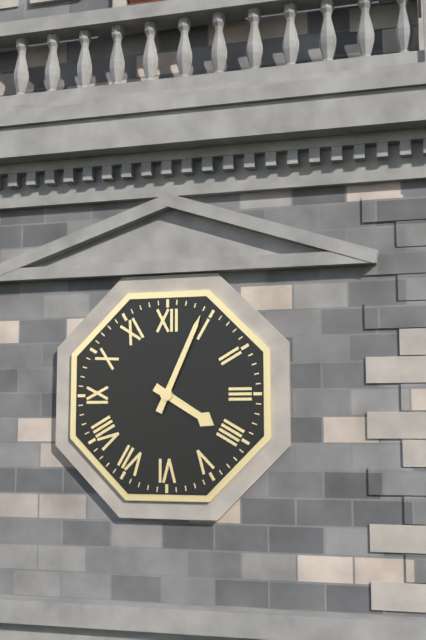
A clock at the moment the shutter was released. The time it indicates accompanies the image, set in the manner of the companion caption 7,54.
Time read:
4,04
